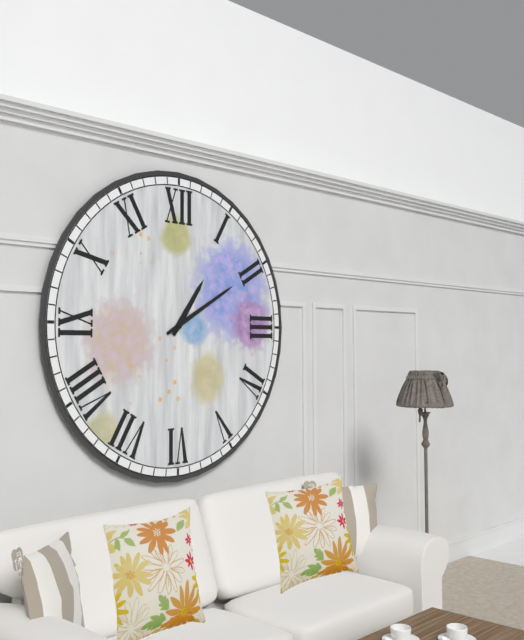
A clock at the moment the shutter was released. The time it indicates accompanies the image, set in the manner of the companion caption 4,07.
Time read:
1,10
